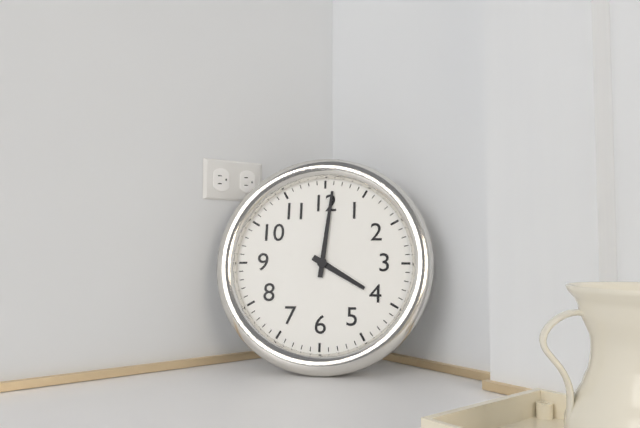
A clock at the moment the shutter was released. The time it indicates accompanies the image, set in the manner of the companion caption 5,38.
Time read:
4,01
